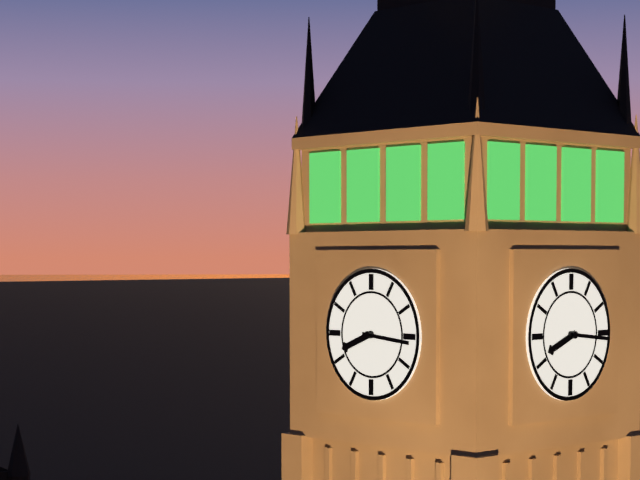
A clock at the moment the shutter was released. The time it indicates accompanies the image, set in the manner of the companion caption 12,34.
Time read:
8,16
